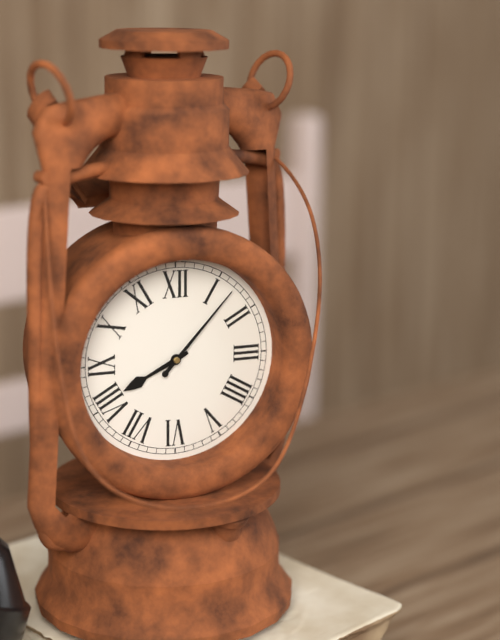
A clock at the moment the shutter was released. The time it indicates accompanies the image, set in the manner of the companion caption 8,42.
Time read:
8,07
